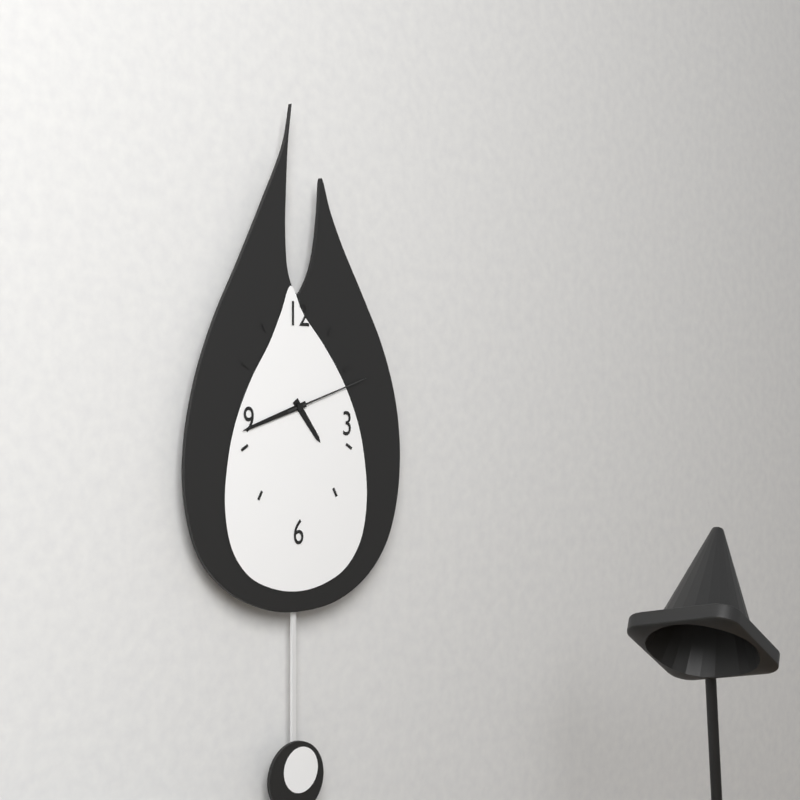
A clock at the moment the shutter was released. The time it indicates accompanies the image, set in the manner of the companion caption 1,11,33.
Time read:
4,42,12
